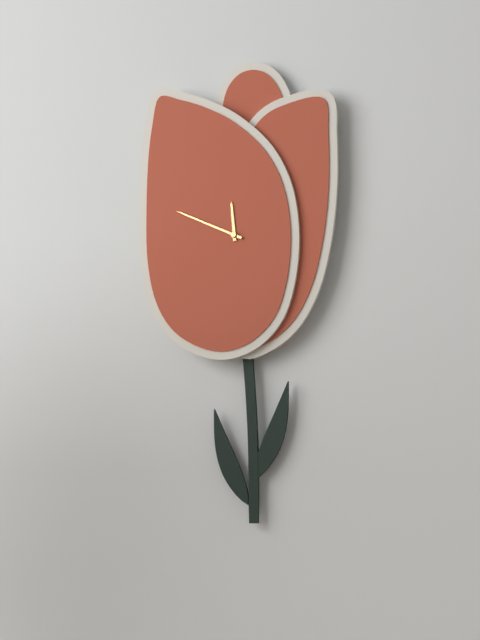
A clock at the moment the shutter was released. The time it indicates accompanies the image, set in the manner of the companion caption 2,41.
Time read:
11,49
